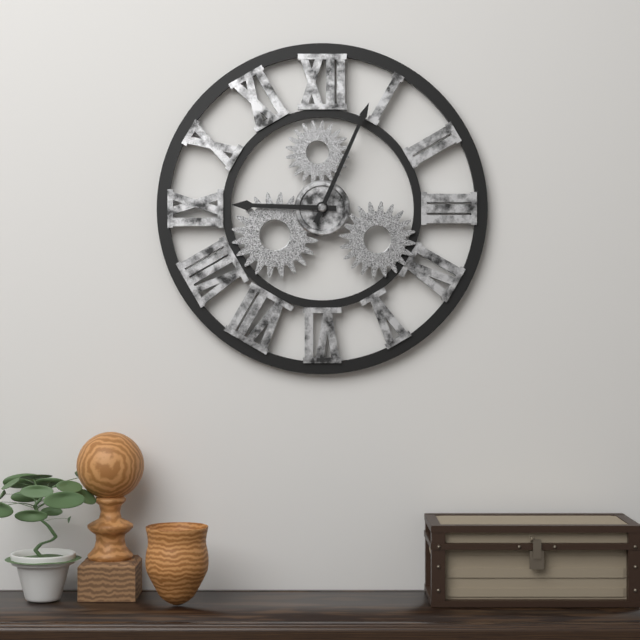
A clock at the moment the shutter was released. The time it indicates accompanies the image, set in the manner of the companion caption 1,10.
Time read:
9,04
